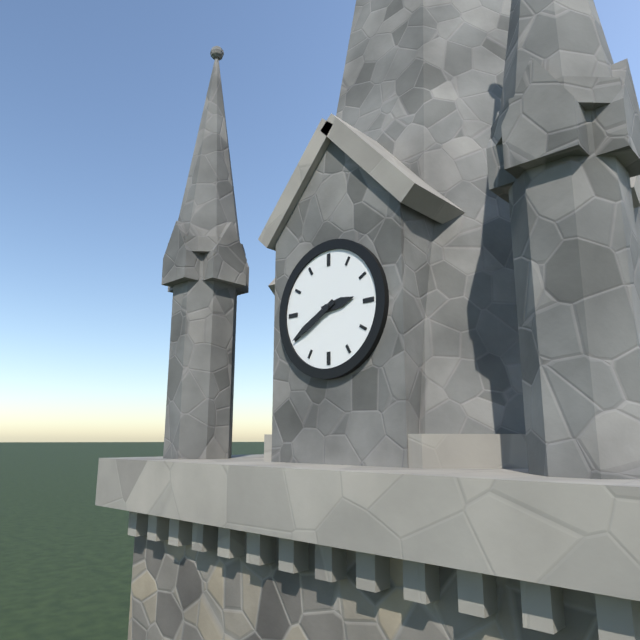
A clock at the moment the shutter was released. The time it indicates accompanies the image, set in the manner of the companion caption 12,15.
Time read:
2,40
